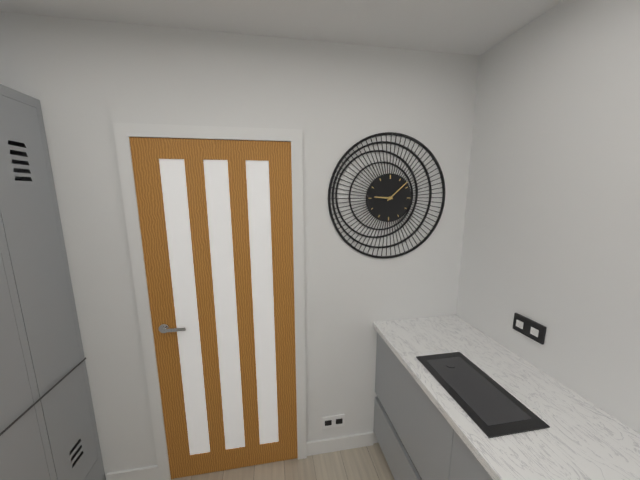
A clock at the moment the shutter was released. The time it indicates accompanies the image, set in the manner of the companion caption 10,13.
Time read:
9,08
